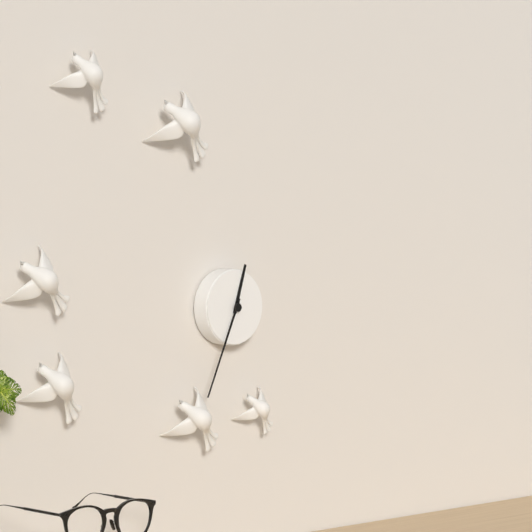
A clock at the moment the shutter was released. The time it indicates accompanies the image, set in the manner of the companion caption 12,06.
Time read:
12,34
